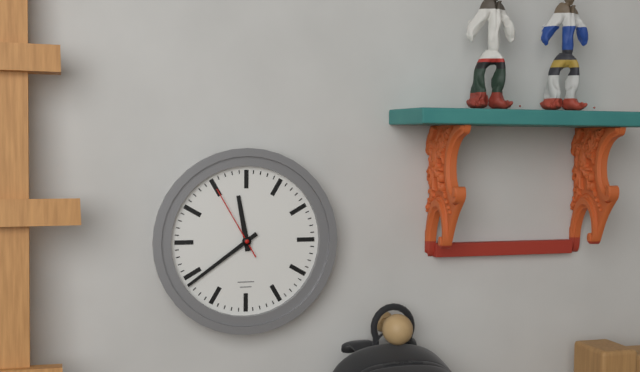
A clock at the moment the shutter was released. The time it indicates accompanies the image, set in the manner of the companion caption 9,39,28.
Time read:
11,39,55
